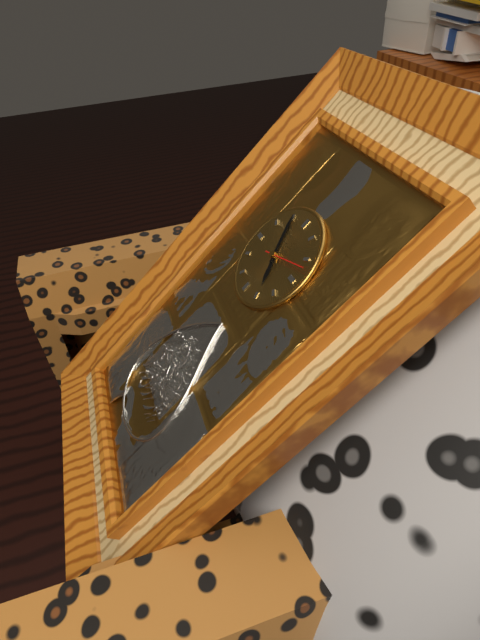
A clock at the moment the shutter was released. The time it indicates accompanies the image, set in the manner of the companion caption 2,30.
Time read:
4,55
